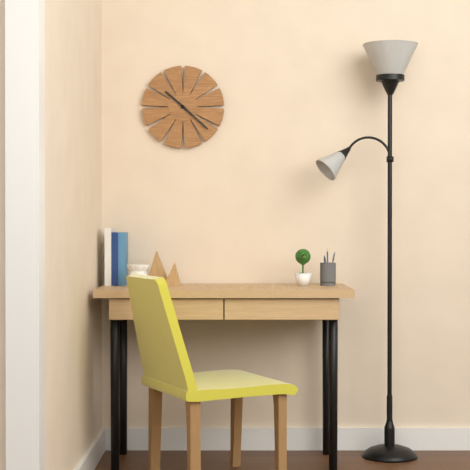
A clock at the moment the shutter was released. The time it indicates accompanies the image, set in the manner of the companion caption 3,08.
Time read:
10,22
